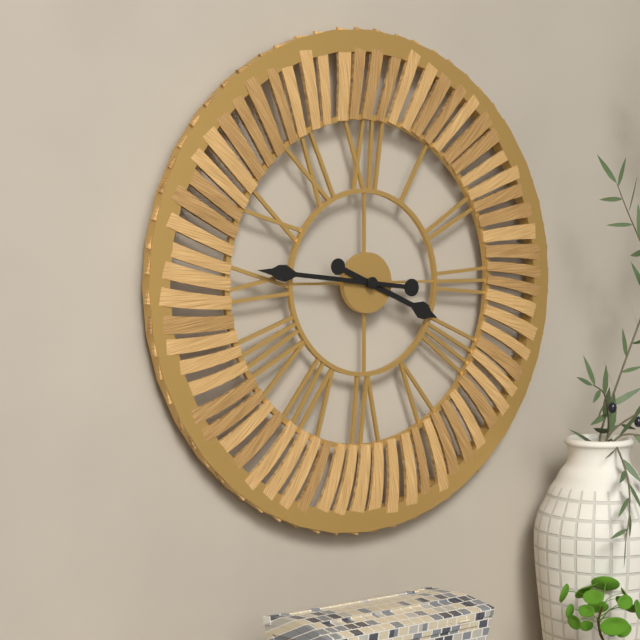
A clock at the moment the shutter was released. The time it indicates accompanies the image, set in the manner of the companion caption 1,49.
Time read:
3,46
